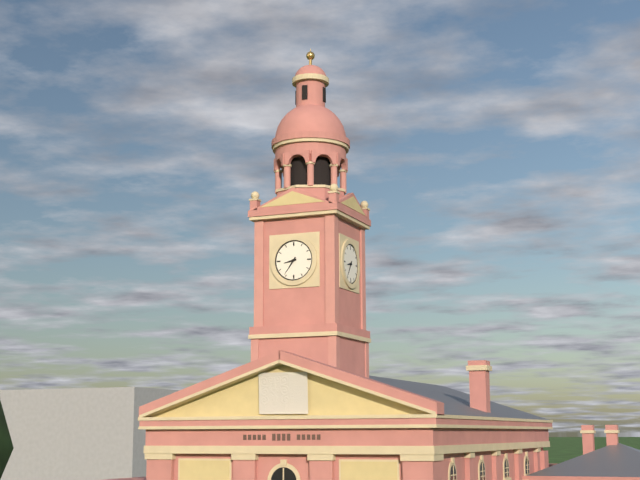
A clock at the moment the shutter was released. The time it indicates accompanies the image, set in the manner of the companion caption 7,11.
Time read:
8,36
